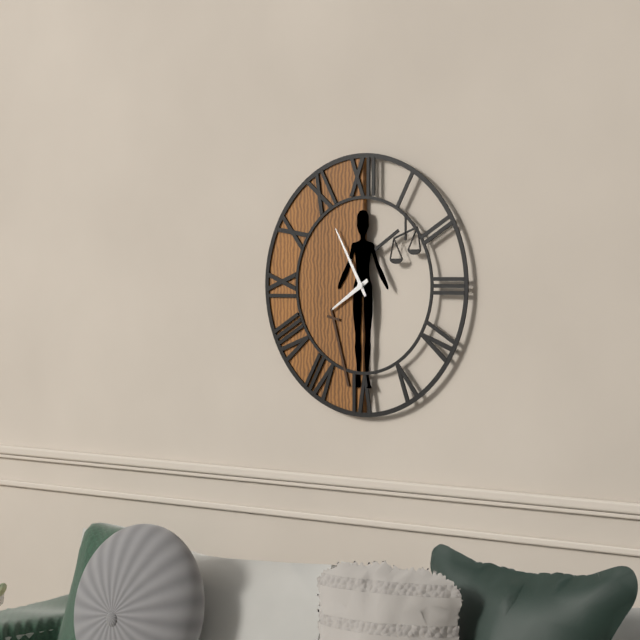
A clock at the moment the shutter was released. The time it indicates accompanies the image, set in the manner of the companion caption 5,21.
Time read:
7,55
